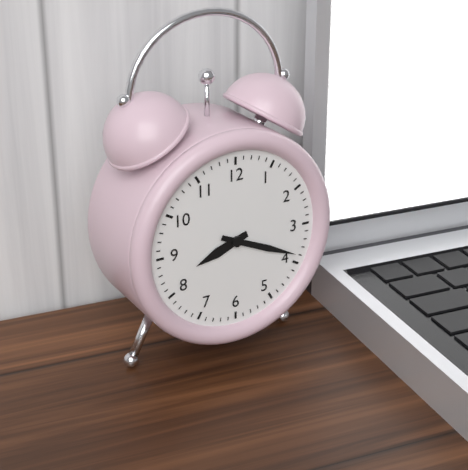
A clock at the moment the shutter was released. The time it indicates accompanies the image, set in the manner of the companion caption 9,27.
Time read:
8,19
